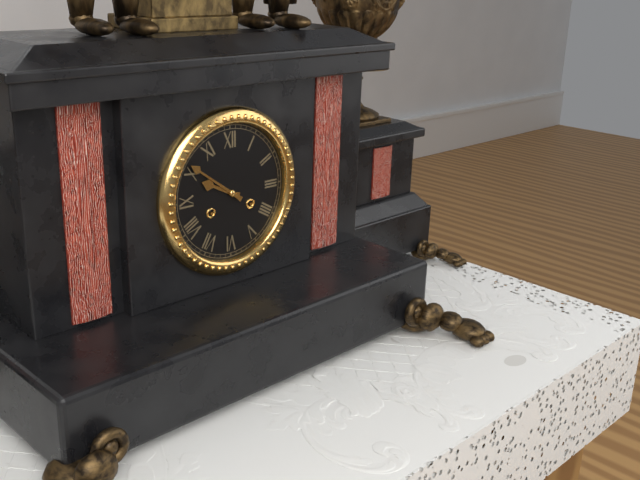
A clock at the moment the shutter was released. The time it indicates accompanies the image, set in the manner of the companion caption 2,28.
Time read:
9,51
